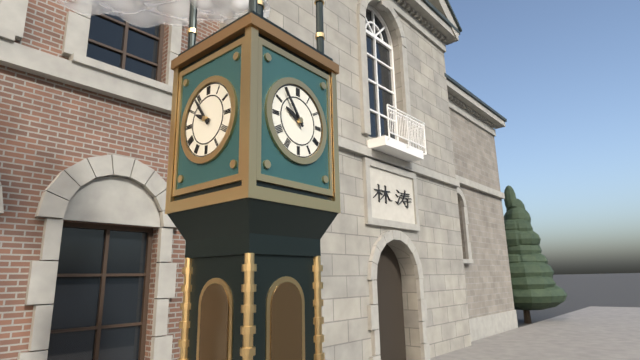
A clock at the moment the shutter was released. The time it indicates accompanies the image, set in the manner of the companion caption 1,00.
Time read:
9,54
